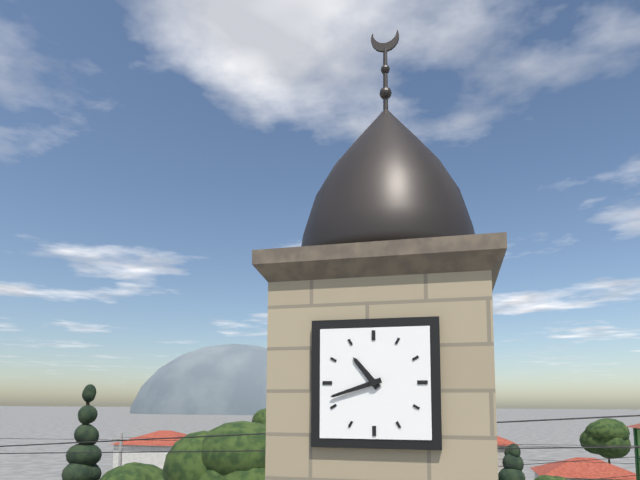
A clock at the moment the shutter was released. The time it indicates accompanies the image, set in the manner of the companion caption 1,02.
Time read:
10,42
